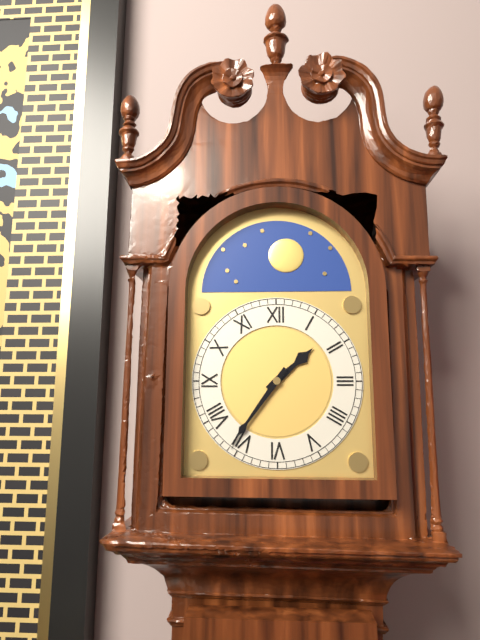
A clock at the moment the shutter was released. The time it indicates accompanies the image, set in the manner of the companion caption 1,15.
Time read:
1,36
